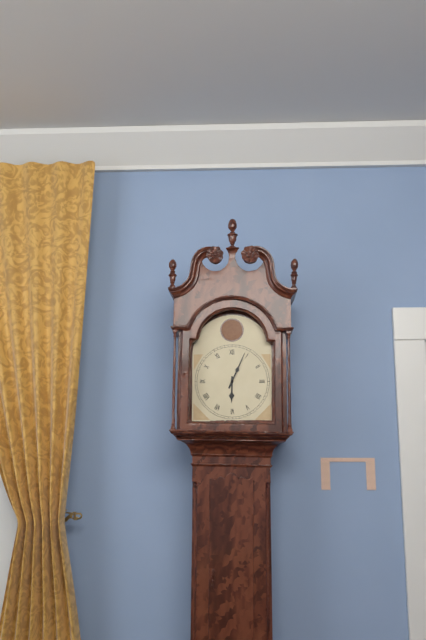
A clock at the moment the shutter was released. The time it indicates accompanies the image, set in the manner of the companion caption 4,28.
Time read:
6,04
